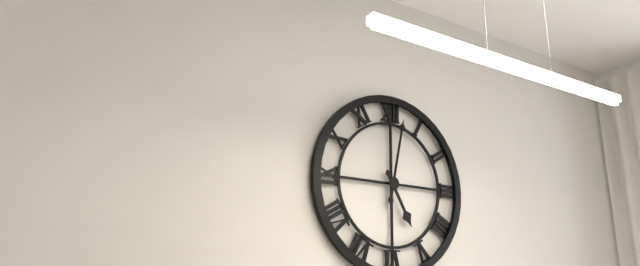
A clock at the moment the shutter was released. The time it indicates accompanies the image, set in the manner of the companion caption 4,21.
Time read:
5,02
